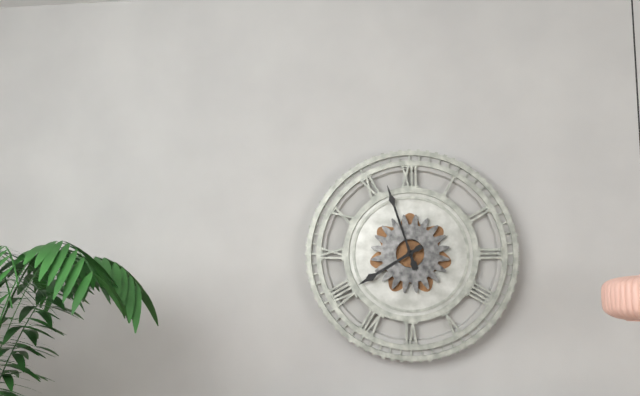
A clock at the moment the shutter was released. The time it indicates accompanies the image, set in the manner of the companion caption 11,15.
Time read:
7,57
